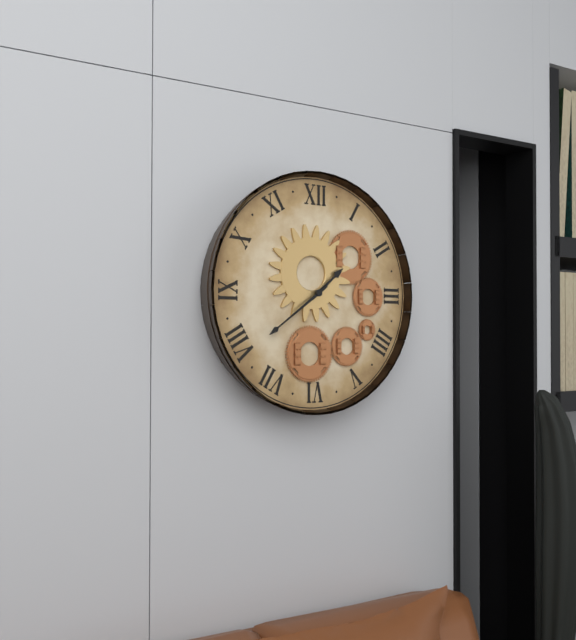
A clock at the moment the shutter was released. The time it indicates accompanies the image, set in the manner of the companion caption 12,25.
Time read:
1,39
